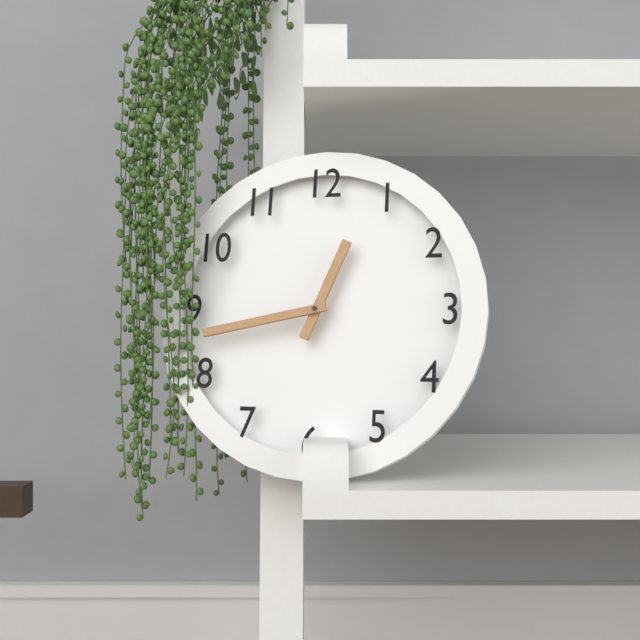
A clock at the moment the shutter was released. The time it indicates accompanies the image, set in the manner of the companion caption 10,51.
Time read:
12,43
